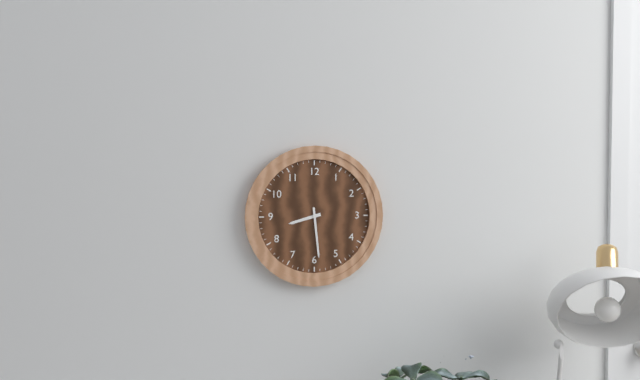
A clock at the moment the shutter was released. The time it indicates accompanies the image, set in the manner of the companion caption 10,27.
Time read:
8,29
